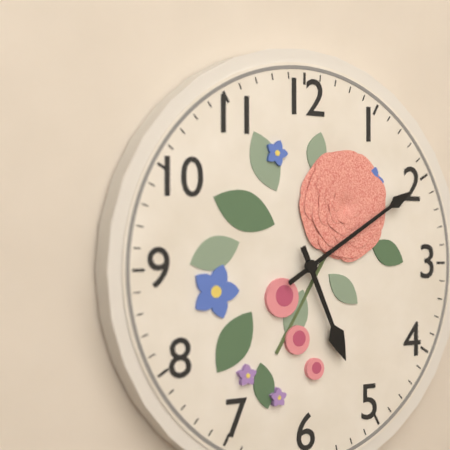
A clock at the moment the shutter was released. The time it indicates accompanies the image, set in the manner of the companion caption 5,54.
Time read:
5,10
